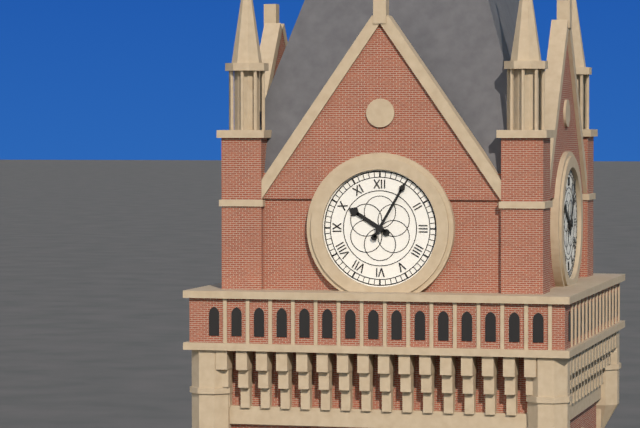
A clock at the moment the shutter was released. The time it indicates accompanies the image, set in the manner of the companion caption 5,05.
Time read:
10,05
